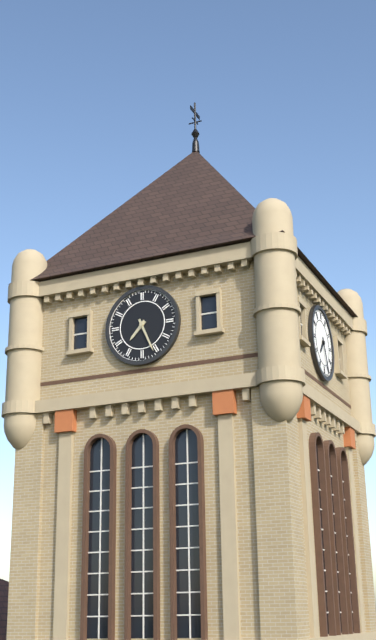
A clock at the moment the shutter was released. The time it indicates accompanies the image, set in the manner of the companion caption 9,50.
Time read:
7,26
